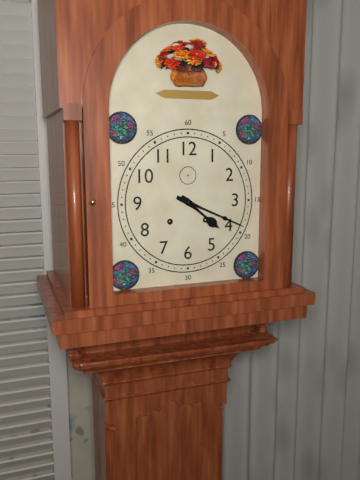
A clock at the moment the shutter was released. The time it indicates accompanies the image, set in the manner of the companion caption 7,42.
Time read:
4,19
